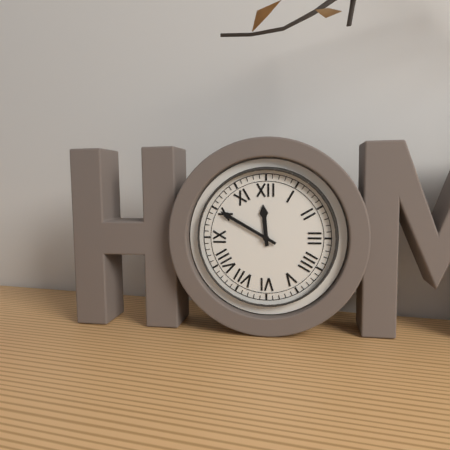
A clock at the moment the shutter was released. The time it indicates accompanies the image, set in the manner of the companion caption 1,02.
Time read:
11,50
